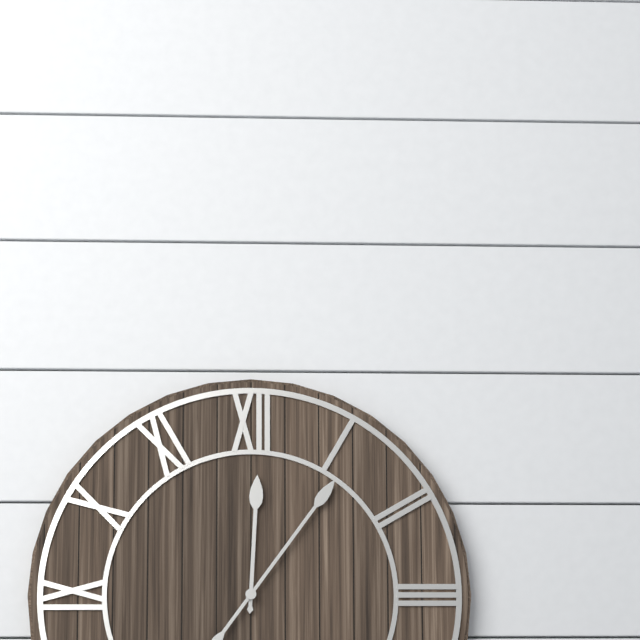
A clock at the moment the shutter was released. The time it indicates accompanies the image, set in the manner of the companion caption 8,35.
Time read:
12,06
